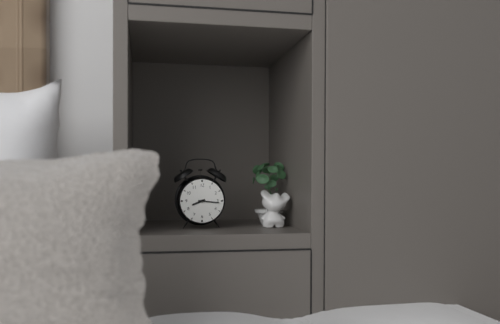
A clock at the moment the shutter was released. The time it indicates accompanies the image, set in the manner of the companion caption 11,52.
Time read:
8,16
